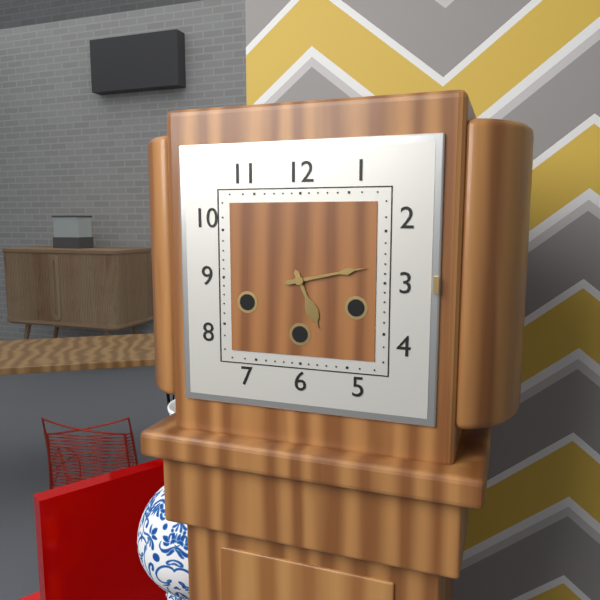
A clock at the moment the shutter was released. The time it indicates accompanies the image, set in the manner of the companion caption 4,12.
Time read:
5,13
